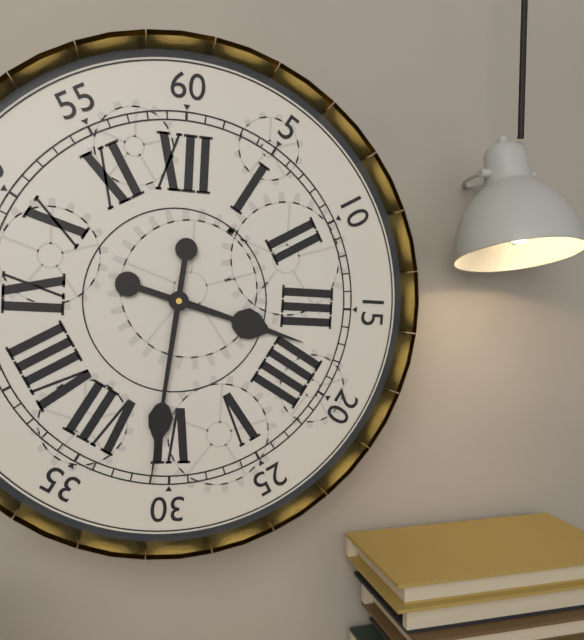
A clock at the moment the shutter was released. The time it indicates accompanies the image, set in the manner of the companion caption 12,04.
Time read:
3,31
